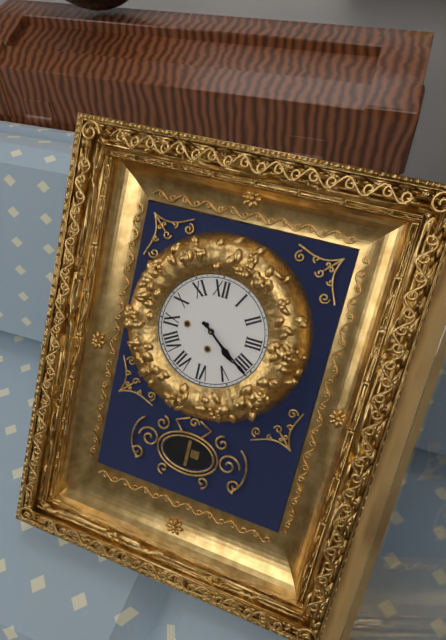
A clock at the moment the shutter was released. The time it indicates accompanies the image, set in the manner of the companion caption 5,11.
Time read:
4,21
